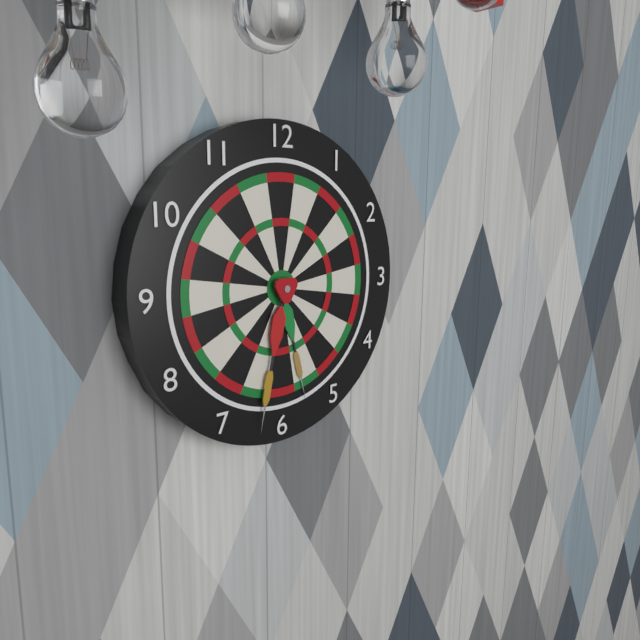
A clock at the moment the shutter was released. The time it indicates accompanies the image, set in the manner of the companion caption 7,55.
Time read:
5,32
